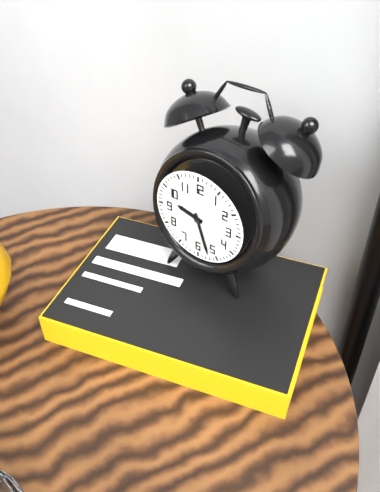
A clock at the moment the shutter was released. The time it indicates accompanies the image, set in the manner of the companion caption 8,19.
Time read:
9,27
